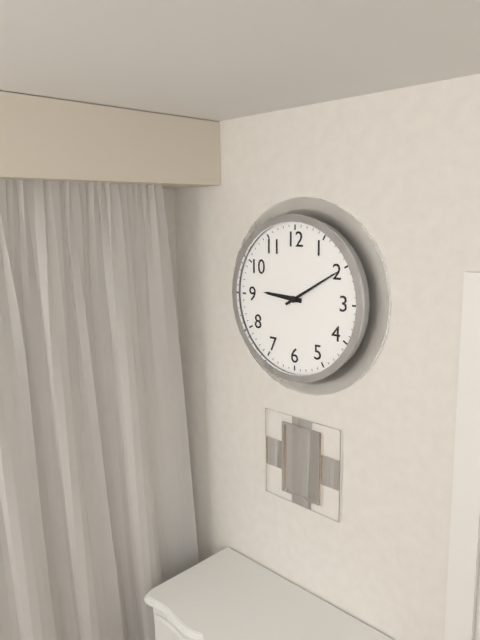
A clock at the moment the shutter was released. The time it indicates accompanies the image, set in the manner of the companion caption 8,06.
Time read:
9,10
